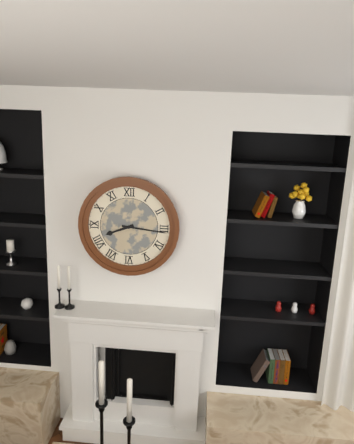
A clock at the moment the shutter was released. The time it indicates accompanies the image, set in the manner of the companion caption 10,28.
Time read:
8,16
